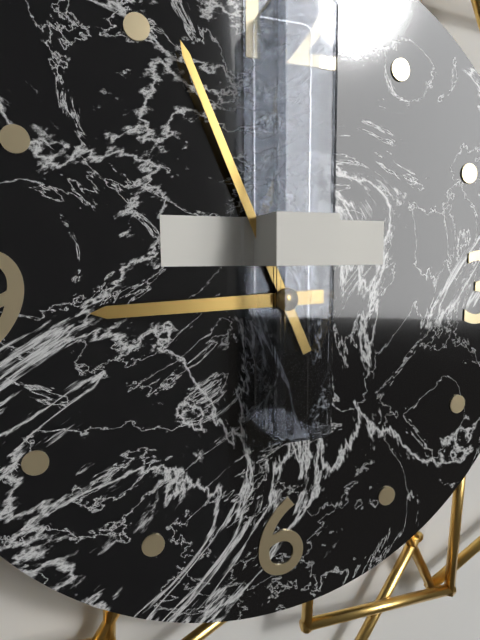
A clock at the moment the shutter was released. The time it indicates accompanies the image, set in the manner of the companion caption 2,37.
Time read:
8,56
